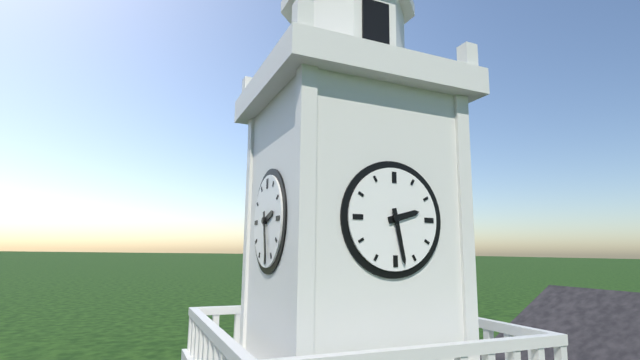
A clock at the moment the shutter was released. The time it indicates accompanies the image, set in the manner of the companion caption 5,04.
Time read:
2,28
